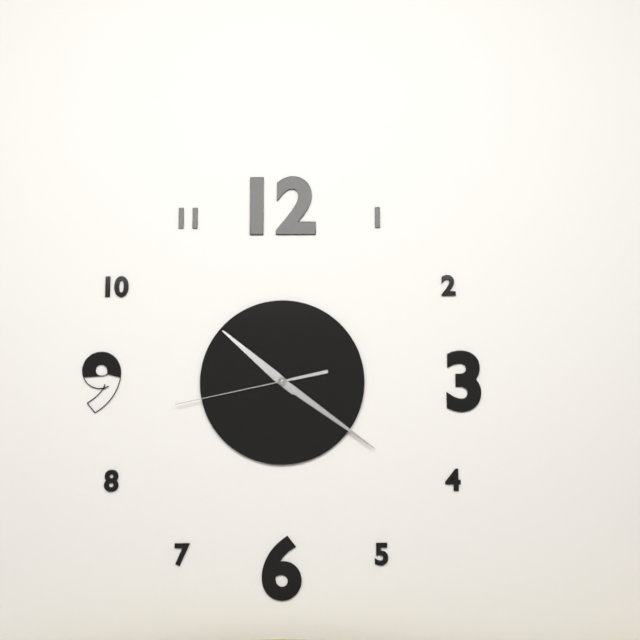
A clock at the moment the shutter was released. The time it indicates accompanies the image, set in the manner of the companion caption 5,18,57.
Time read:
10,21,43
